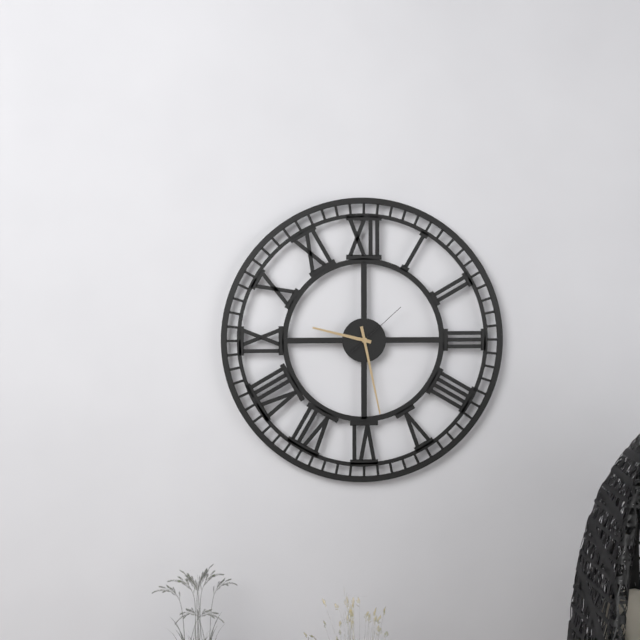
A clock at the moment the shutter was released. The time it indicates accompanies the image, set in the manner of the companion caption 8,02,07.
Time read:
9,28,08
